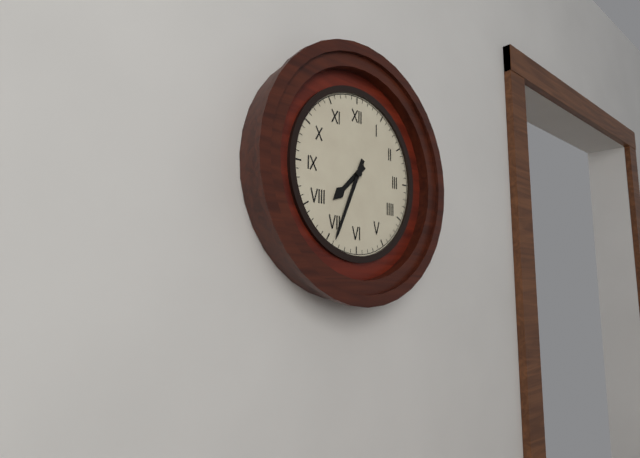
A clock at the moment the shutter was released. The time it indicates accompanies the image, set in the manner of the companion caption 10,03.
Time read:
7,34
